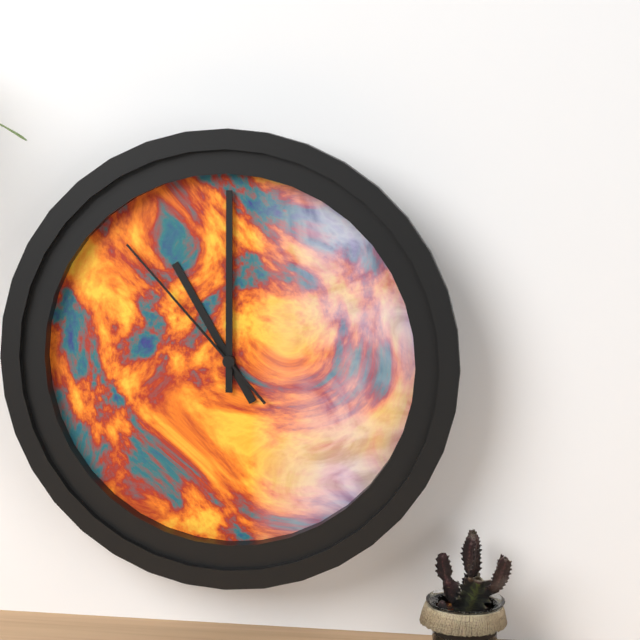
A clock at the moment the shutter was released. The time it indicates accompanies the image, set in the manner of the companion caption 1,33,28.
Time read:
11,00,53
